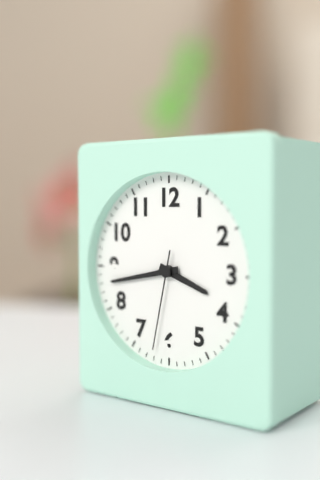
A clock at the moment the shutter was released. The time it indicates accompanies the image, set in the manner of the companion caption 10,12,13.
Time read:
3,43,32
